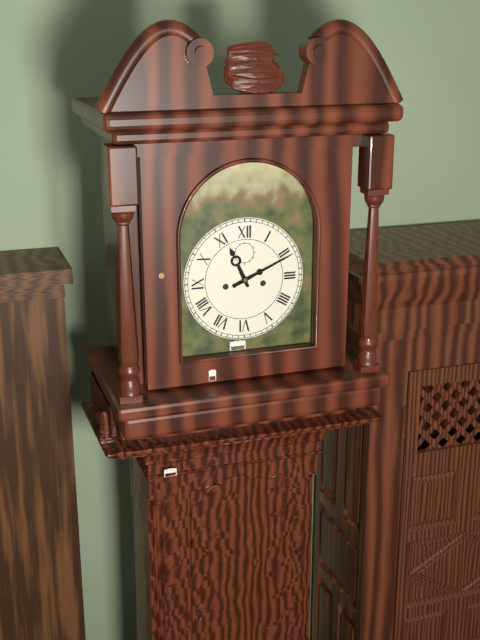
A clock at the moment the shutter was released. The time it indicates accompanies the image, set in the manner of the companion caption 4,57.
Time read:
11,11
